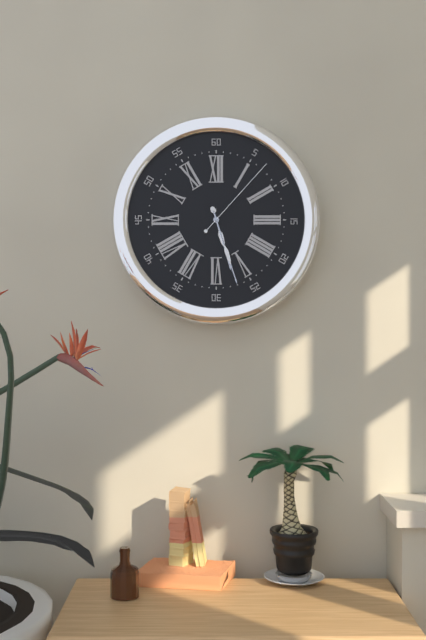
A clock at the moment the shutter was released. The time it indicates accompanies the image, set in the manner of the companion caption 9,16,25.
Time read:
5,27,07
